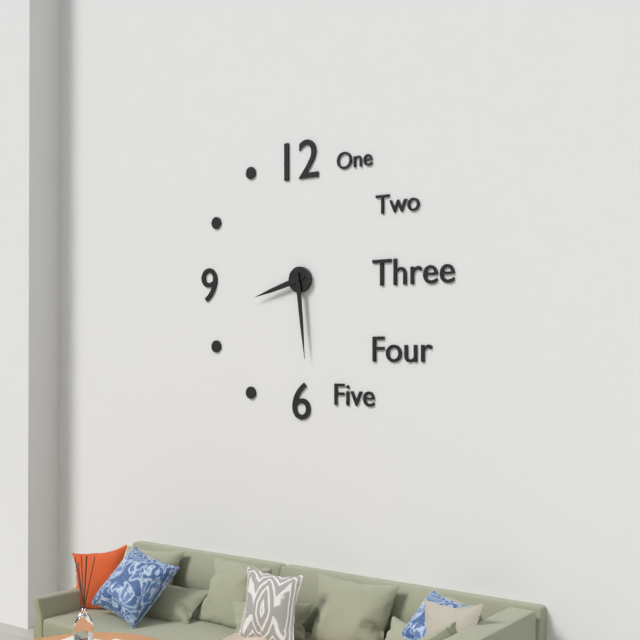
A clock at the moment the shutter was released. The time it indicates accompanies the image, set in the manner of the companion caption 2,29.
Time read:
8,29
